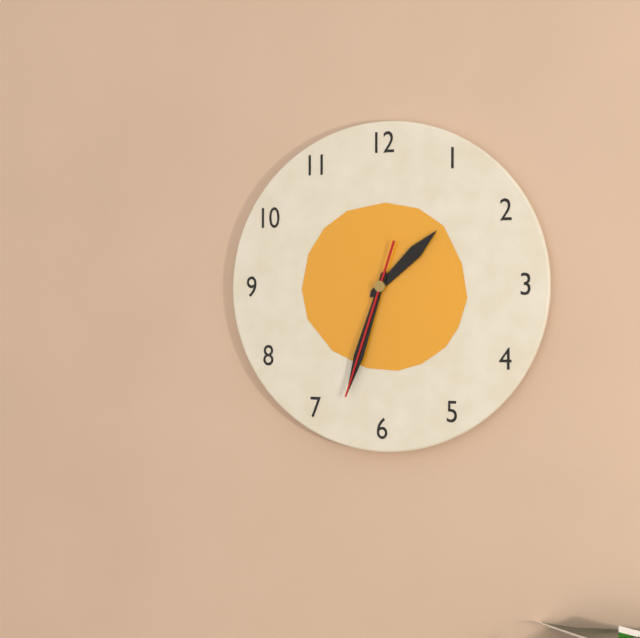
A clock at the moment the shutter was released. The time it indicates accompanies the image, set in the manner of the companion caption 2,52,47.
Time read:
1,33,33
